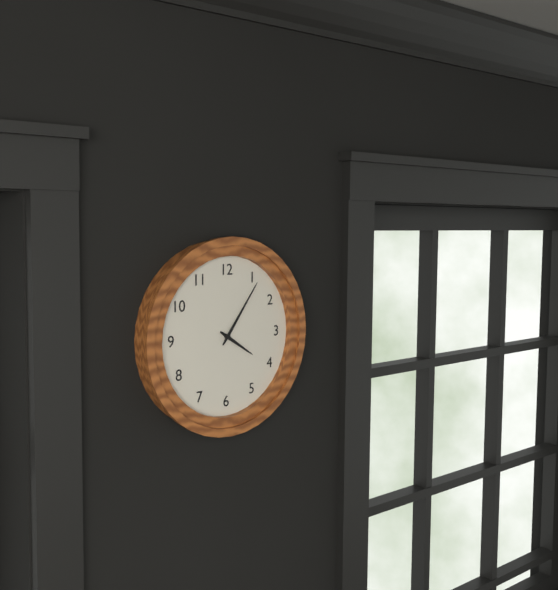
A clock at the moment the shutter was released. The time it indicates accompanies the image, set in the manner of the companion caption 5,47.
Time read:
4,06
